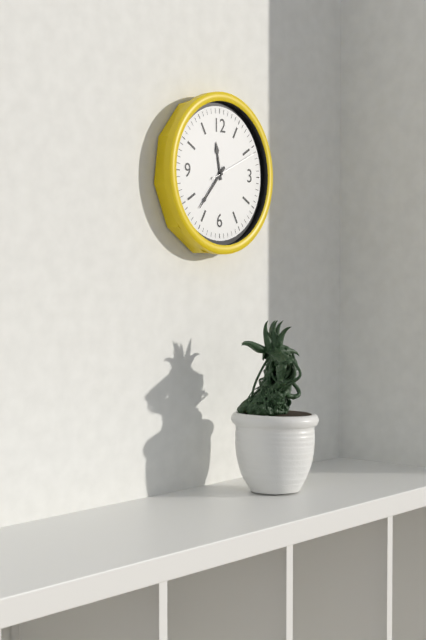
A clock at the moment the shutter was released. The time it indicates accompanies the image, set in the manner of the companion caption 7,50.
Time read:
11,37
